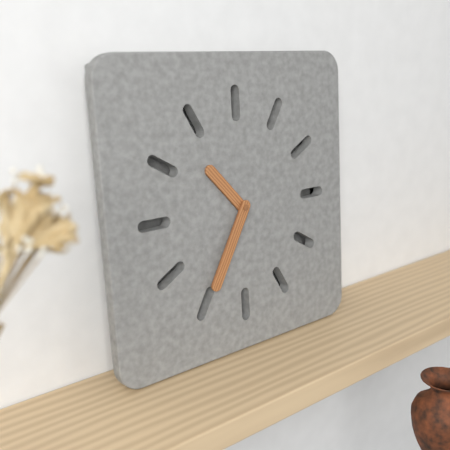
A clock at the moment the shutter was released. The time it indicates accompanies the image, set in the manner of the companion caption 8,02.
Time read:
10,35
